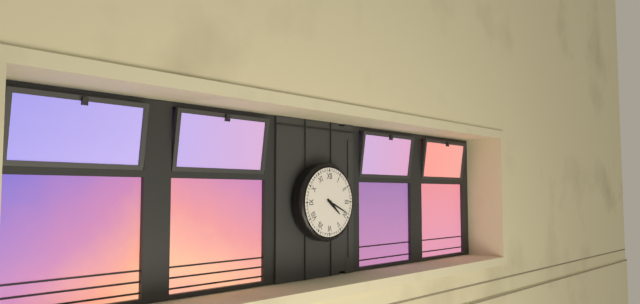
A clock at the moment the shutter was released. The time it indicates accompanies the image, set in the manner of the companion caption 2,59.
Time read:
4,19
